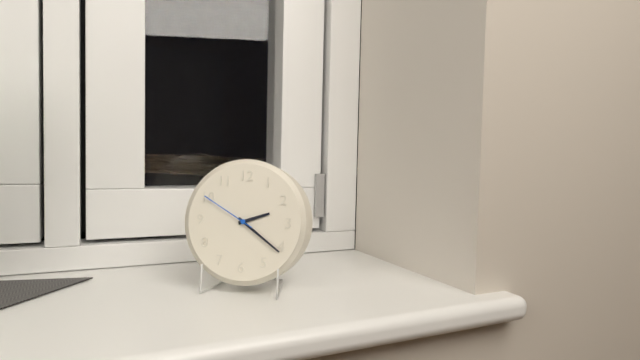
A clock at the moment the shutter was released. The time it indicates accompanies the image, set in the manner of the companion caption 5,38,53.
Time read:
2,21,50
